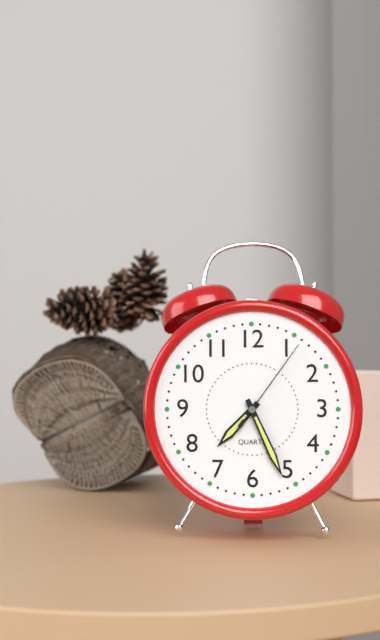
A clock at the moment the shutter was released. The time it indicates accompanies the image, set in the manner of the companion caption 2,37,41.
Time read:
7,26,06
